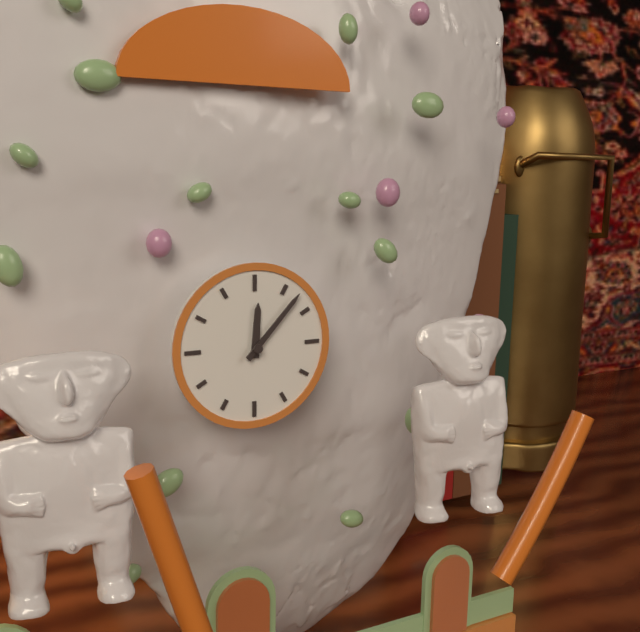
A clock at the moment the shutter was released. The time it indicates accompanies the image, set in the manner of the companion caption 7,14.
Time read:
12,07
